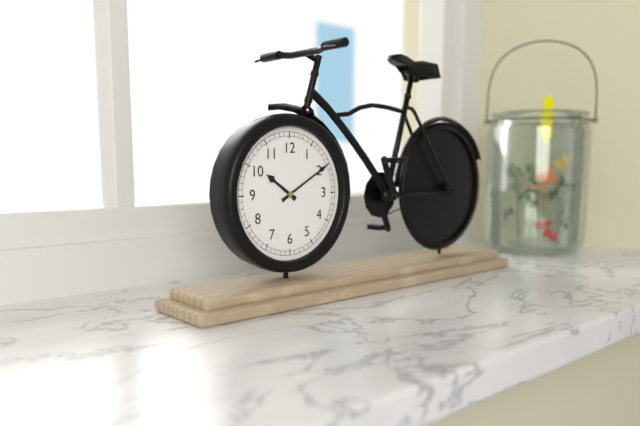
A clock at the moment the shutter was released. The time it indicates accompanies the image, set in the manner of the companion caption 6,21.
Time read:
10,10
